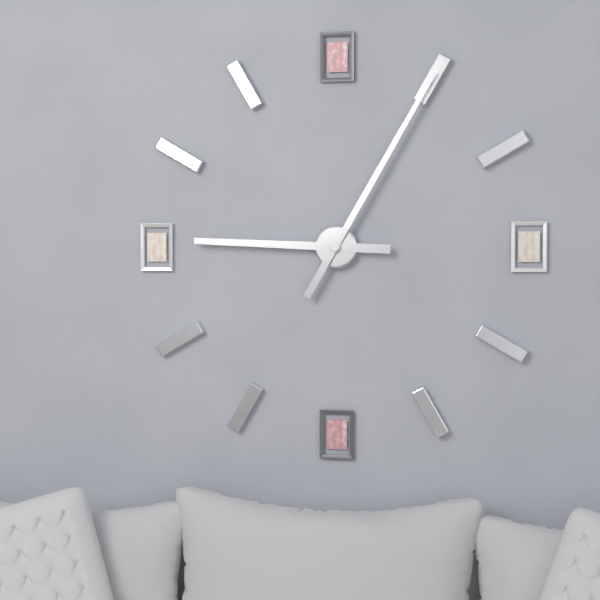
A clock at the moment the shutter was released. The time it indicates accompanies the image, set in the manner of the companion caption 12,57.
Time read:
9,05
